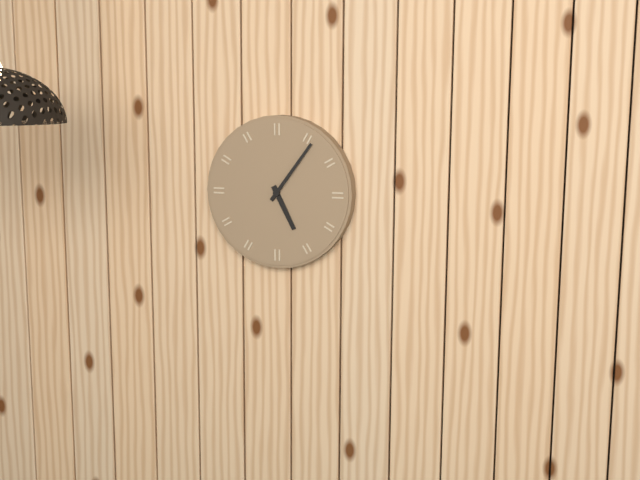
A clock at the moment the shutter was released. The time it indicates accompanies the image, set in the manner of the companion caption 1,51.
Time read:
5,06
